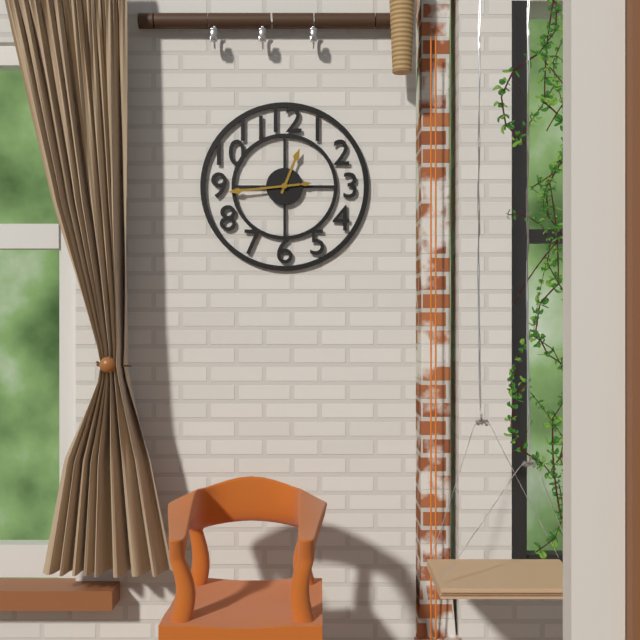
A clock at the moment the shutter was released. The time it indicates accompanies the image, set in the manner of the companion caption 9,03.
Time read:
12,44
